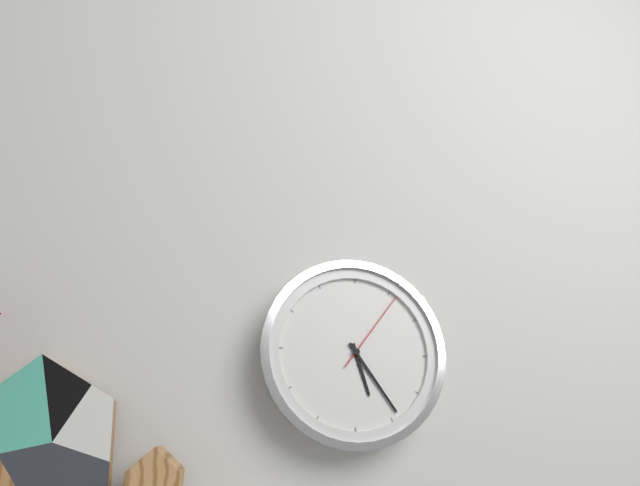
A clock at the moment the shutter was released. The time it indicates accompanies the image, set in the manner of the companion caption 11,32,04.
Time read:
5,24,06
